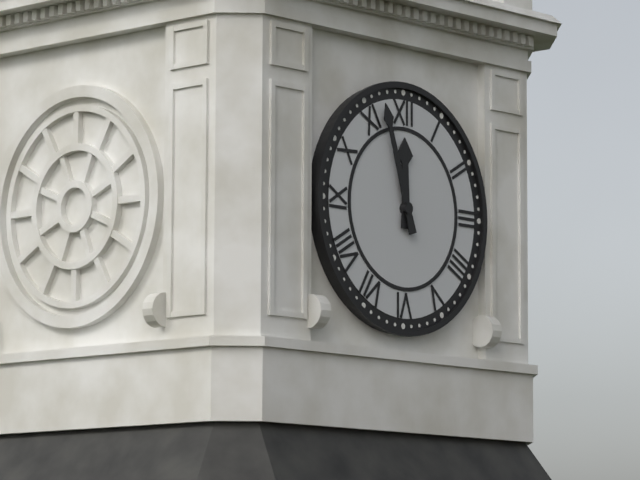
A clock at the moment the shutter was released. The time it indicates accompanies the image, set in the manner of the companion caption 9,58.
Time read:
11,57
